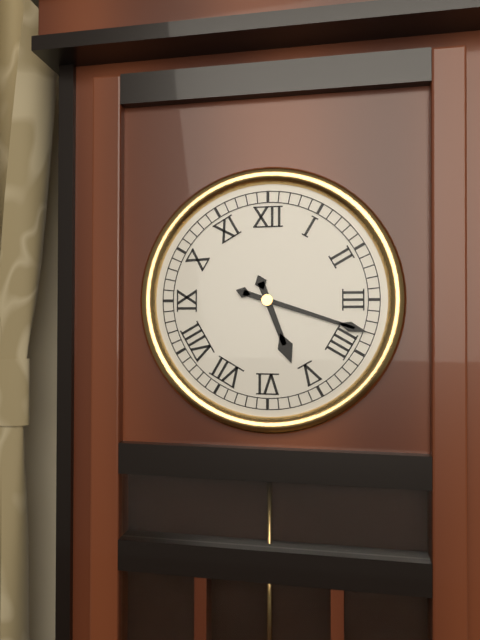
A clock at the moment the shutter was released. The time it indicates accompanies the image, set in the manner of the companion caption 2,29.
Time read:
5,18
